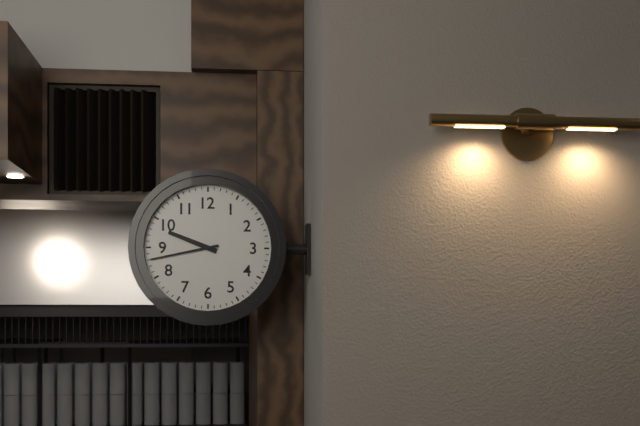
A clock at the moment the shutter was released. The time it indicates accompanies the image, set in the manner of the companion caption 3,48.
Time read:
9,43
